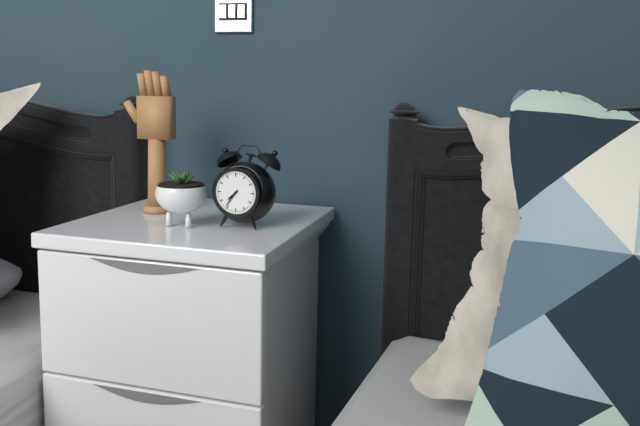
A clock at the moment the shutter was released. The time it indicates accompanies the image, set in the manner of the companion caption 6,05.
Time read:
7,36
